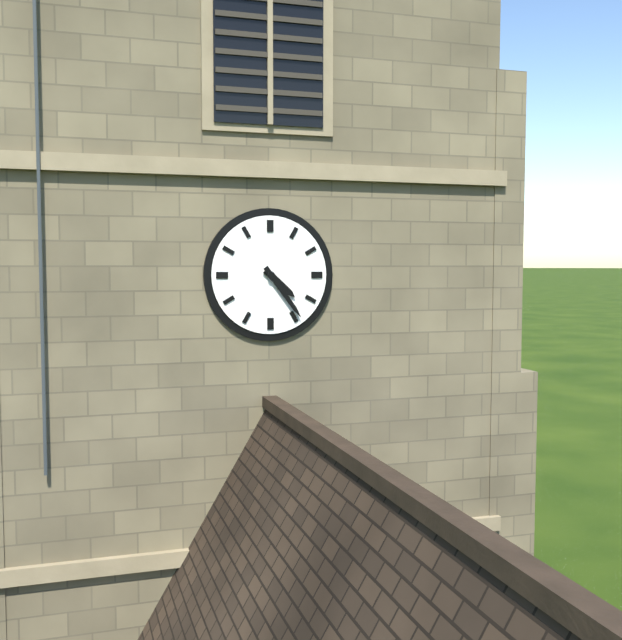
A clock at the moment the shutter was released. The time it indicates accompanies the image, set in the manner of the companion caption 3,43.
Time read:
4,24
